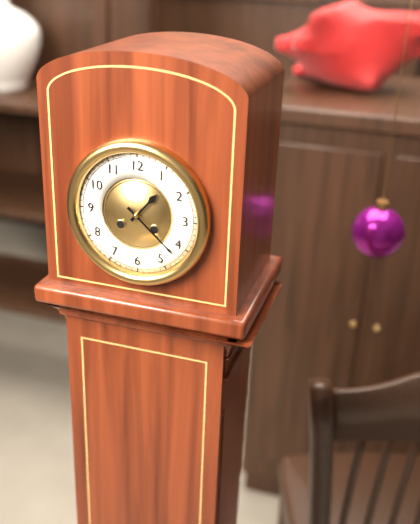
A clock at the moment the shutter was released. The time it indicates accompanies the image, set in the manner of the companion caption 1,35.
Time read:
1,22
